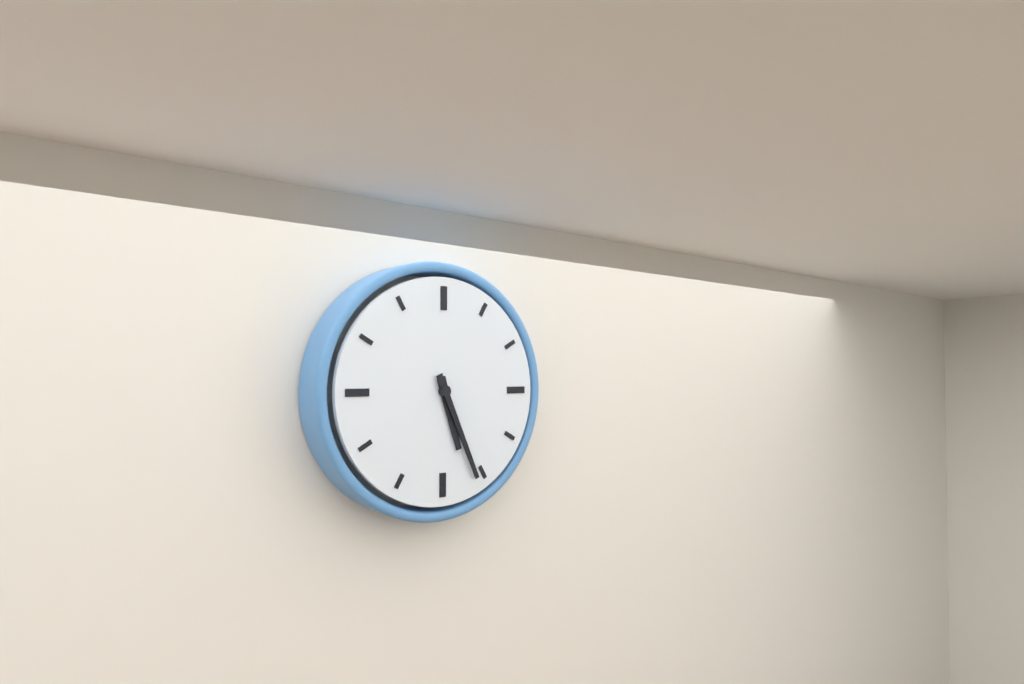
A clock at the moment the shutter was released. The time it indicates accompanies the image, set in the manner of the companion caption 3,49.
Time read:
5,26
